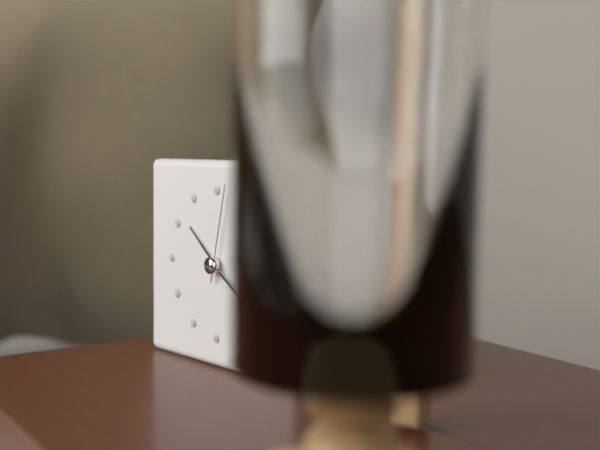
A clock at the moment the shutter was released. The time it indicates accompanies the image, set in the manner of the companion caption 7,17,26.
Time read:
10,21,02
